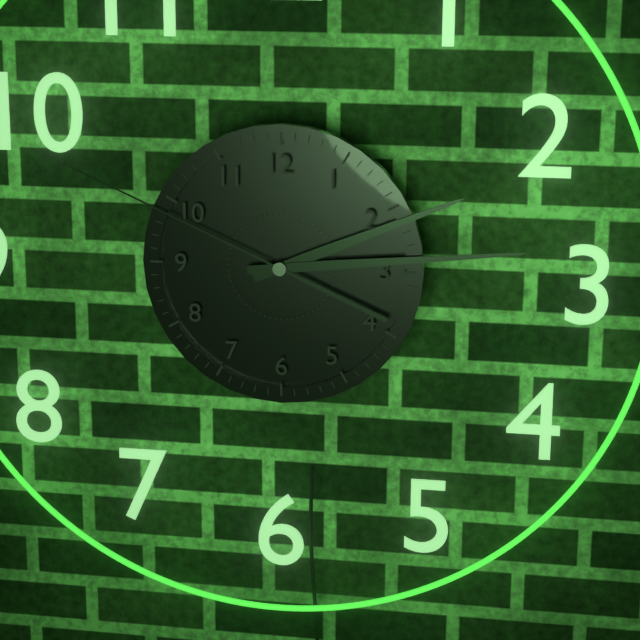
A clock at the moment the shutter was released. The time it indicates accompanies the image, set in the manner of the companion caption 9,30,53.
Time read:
2,14,49
